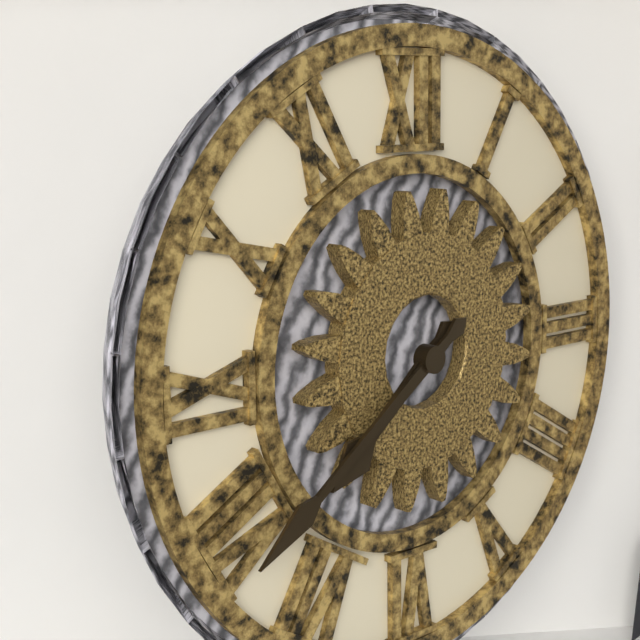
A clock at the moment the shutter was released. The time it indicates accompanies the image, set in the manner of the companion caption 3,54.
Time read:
7,39
